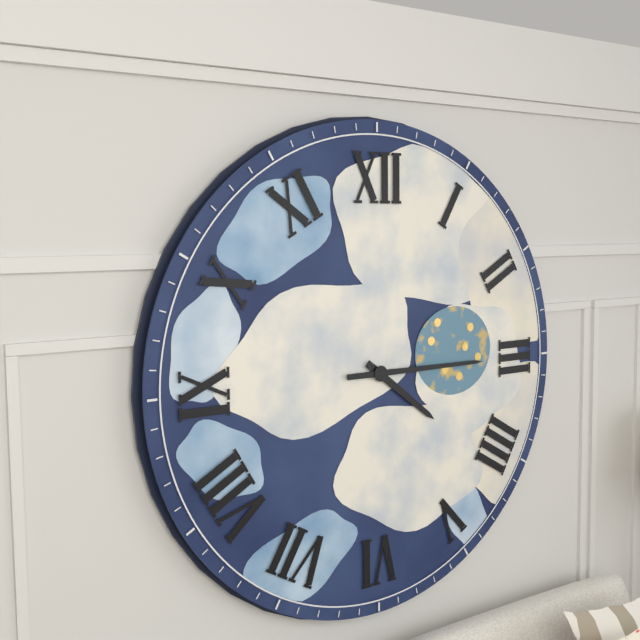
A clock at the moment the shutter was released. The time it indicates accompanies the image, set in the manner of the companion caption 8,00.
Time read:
4,15
